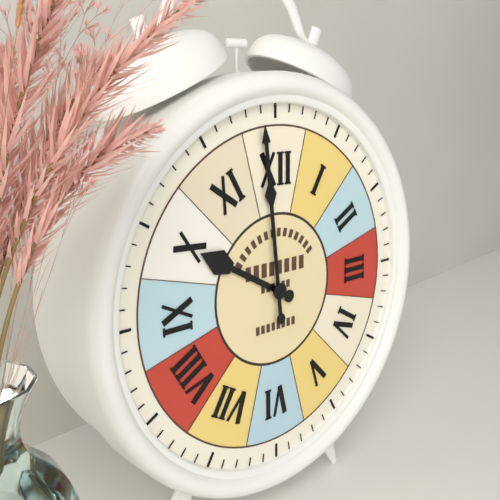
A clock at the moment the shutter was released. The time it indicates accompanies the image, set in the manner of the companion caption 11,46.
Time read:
9,59
